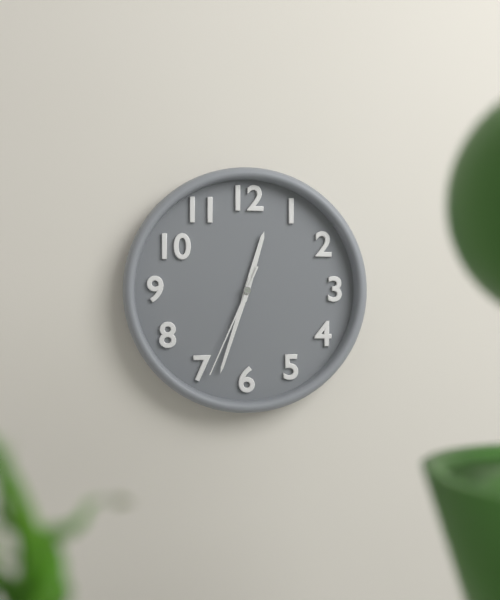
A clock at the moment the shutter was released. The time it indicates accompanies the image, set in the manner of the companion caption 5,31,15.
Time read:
12,33,34
